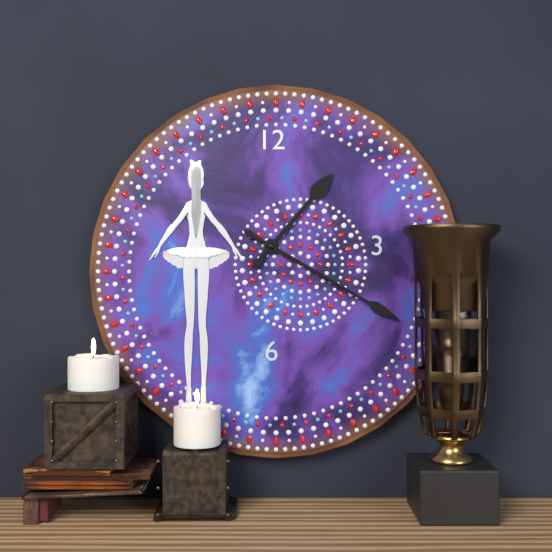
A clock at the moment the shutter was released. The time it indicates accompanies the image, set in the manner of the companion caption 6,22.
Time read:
1,20
